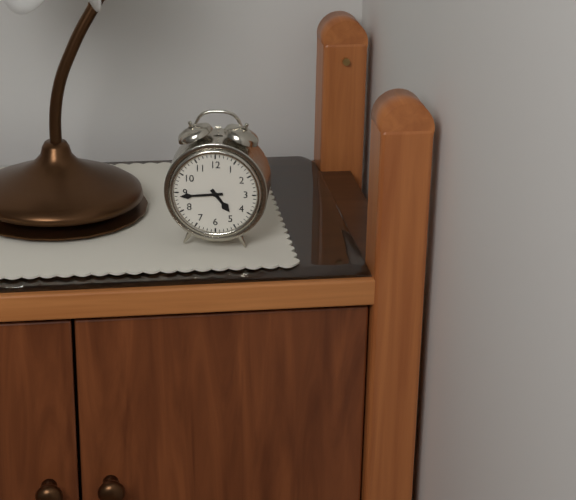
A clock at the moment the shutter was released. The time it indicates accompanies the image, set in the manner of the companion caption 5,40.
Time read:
4,44
